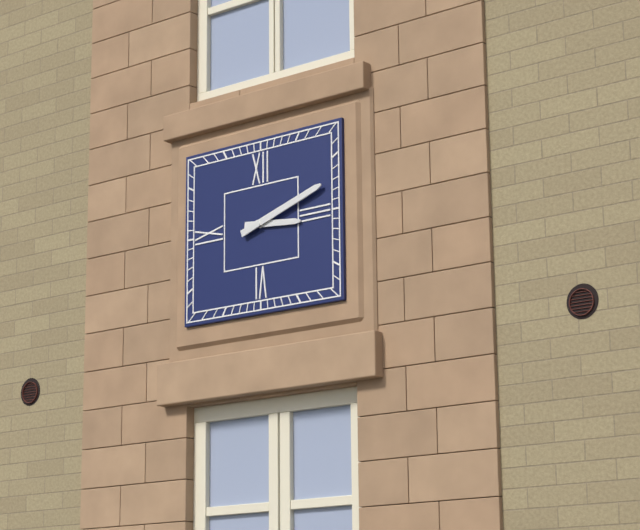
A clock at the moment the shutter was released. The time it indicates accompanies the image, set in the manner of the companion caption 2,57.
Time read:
3,12
